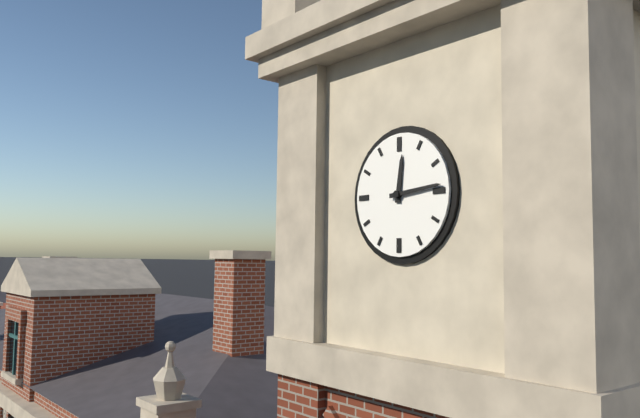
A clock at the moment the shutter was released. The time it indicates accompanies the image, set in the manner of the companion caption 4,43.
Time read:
12,14
